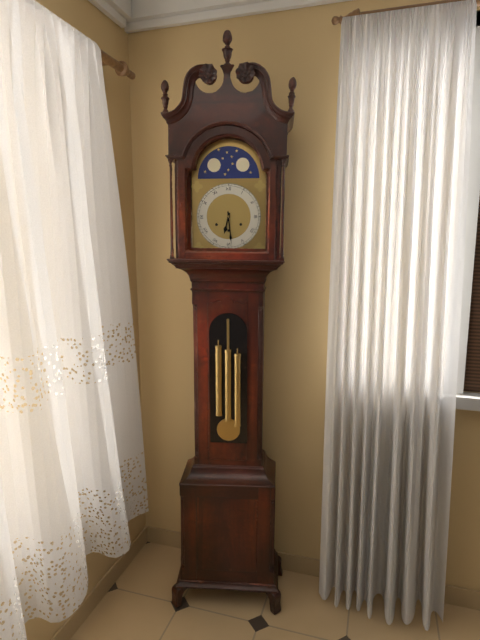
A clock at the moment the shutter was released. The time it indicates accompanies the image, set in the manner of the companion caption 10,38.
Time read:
6,29
